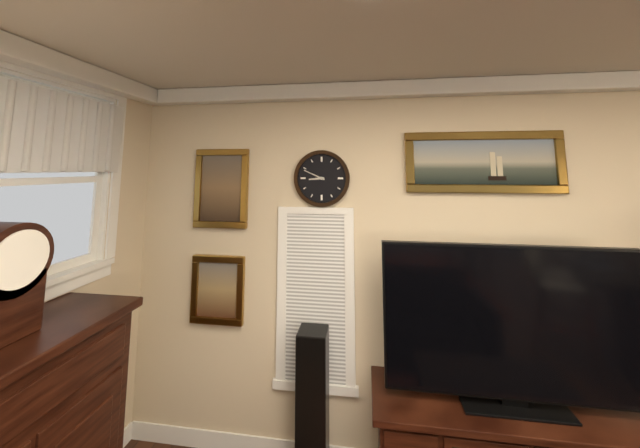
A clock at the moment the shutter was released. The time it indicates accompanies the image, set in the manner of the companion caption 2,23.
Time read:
8,49
